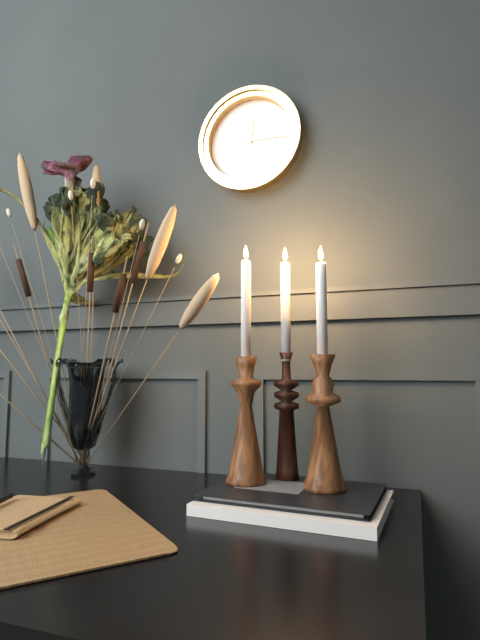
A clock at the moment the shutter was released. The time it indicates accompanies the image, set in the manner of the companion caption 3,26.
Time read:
12,15
